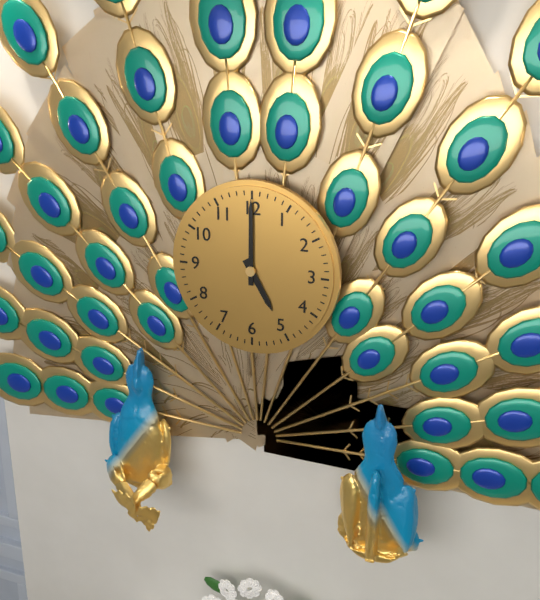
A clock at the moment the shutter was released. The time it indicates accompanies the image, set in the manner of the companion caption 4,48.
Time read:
5,00
